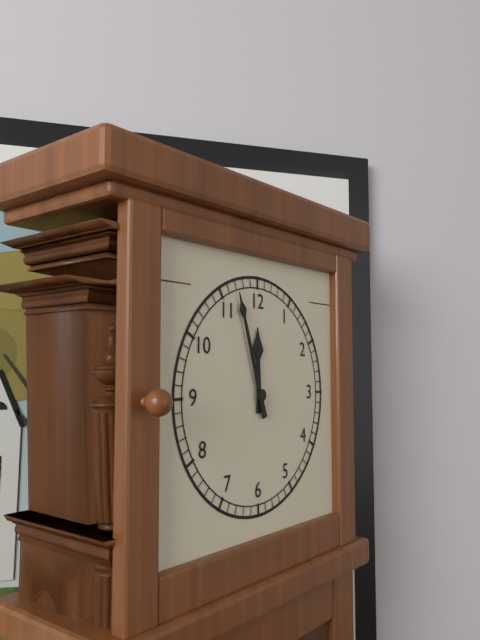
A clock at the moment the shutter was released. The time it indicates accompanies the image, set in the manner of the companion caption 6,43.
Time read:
11,57
